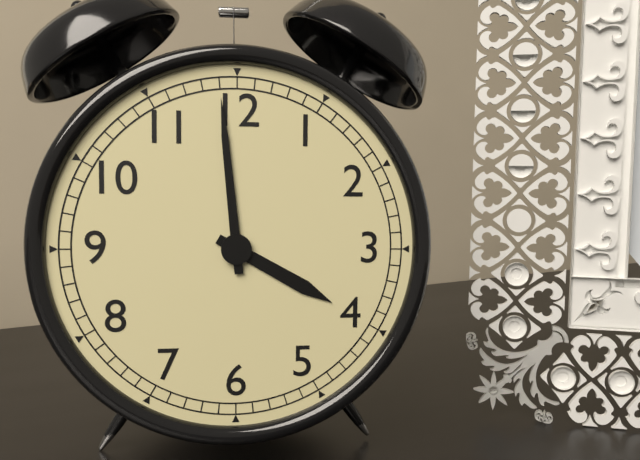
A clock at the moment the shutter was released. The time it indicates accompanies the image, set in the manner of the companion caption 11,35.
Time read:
3,59
